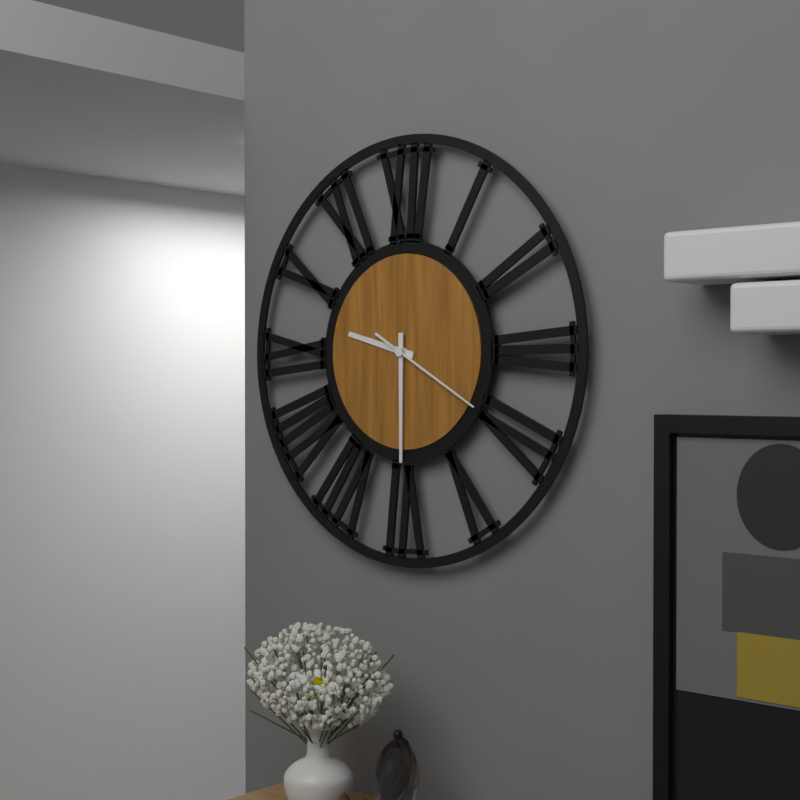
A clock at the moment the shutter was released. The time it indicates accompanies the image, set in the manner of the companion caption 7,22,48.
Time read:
9,30,20
